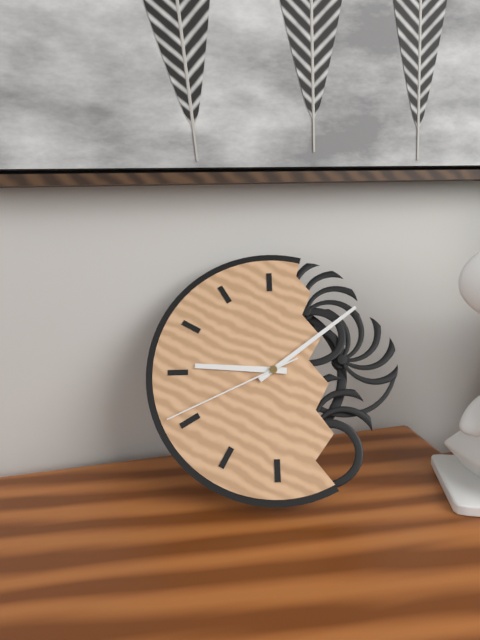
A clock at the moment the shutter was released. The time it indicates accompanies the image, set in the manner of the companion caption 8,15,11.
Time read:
9,09,41
